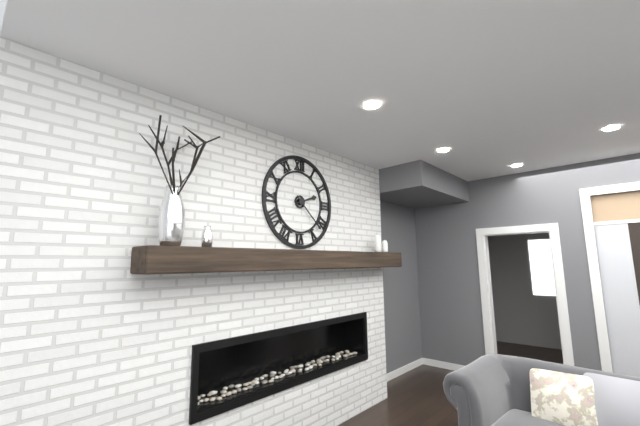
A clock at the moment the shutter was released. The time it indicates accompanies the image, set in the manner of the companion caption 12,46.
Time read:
2,22
